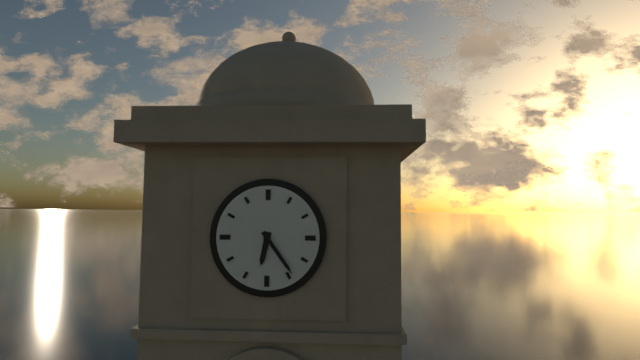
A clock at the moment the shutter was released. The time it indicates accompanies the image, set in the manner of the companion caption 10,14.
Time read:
6,24
